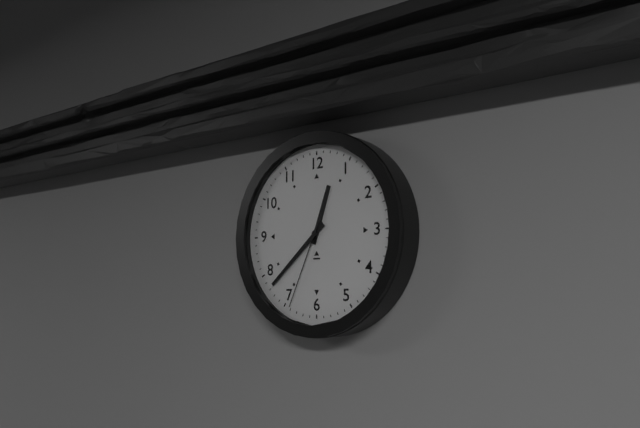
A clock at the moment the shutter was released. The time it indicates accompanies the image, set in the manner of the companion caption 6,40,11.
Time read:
12,38,34
